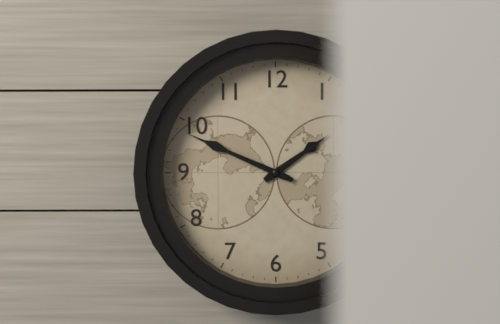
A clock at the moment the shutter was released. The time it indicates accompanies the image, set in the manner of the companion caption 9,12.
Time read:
1,49
